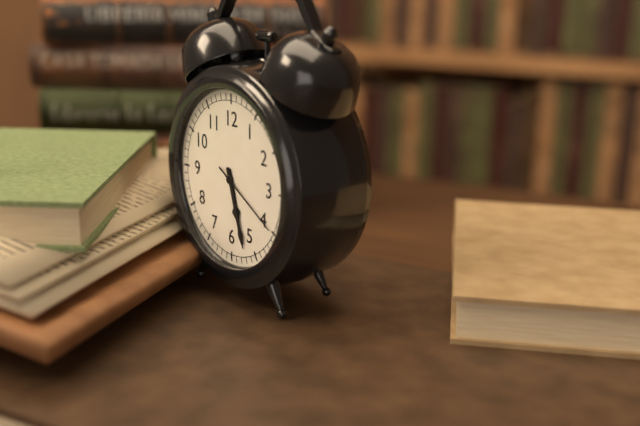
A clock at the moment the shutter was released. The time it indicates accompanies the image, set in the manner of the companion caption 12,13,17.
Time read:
5,27,20
